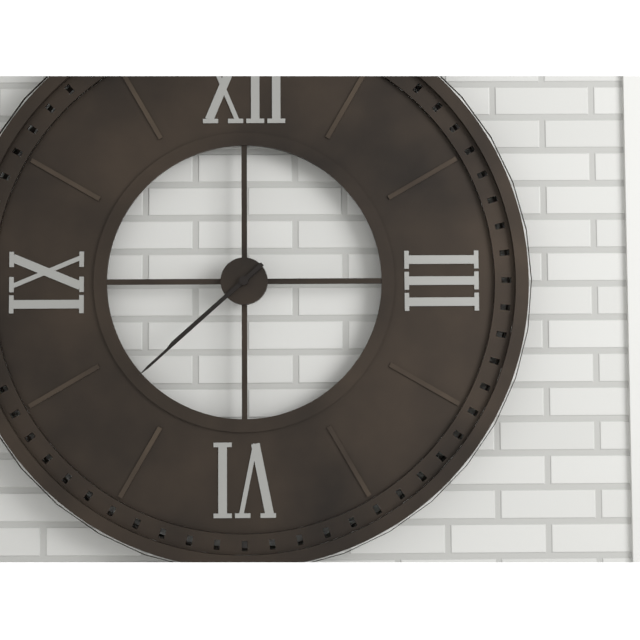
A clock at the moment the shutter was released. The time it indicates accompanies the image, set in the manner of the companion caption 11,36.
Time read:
7,38
